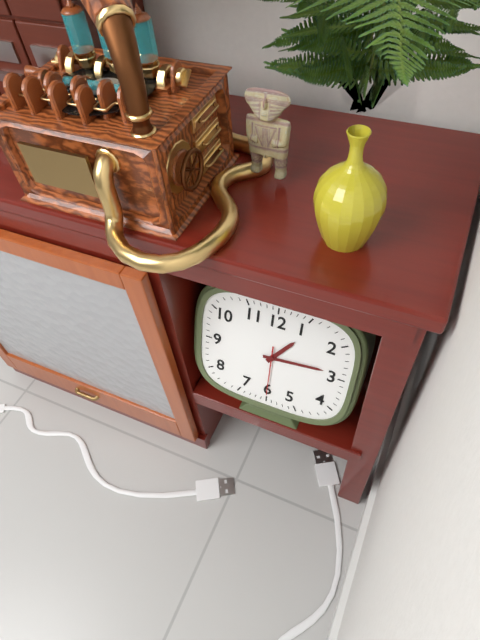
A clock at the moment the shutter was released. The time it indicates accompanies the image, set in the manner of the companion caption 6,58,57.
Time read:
1,14,30
